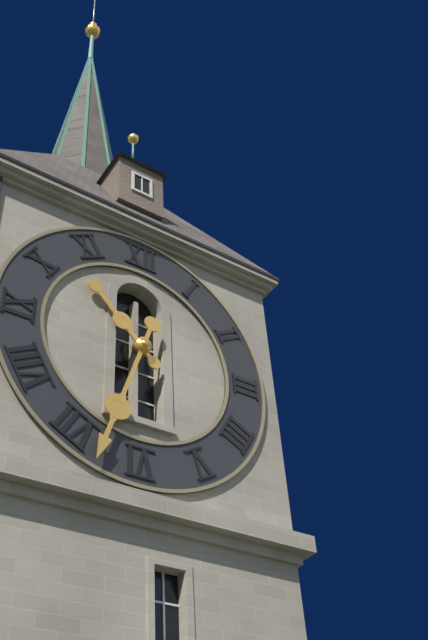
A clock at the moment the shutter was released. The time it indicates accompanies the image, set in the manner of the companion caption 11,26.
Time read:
10,33
